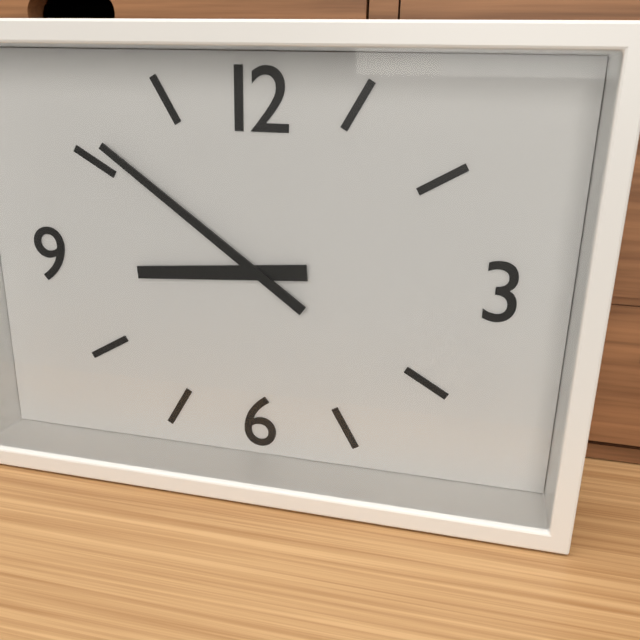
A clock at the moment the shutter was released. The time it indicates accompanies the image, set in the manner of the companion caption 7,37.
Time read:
8,51
